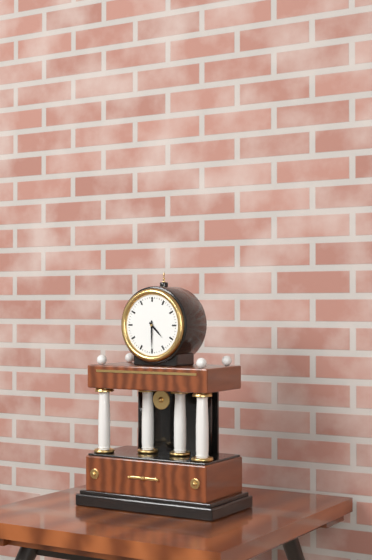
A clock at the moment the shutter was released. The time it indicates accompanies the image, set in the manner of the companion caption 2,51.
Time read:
4,30
